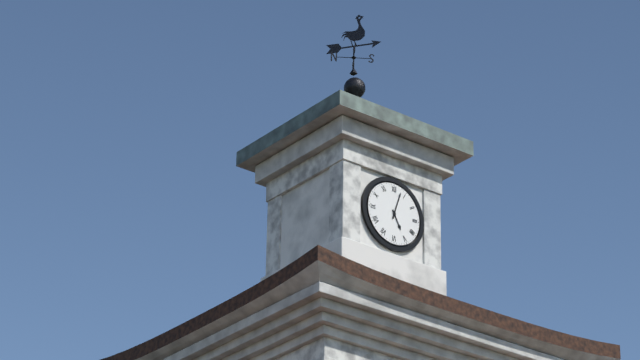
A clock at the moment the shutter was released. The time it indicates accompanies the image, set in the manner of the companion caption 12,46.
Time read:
5,03
